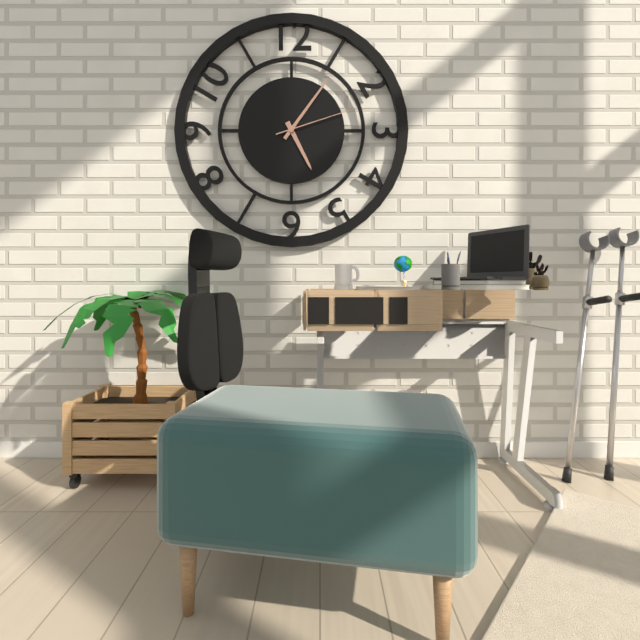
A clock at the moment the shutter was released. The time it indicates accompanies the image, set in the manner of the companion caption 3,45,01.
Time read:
5,06,12
